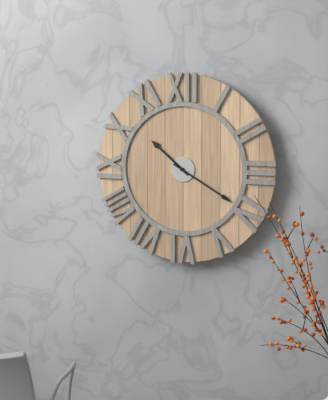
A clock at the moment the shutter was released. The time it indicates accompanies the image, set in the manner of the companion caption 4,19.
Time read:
10,20
